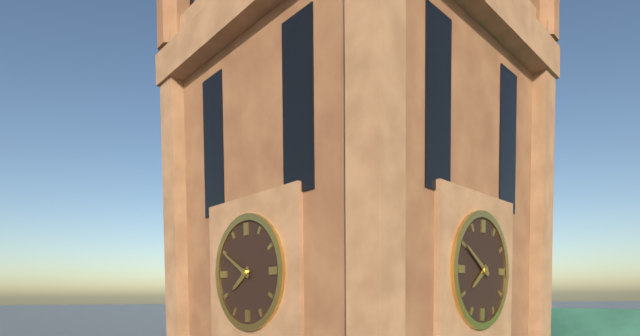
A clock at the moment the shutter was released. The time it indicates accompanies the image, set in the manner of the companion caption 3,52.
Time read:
7,50
